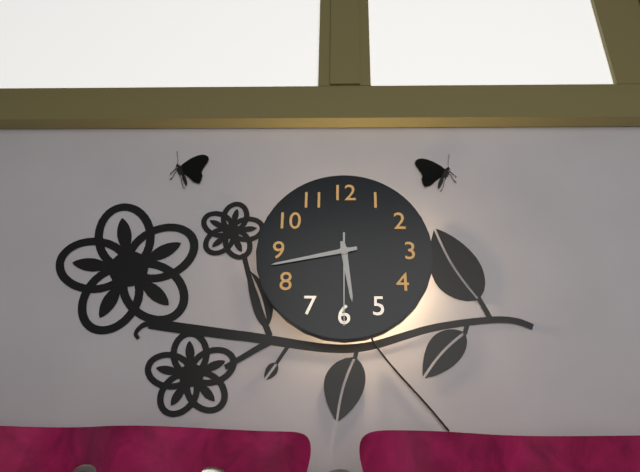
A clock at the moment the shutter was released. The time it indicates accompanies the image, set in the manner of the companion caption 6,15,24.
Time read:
5,43,30
